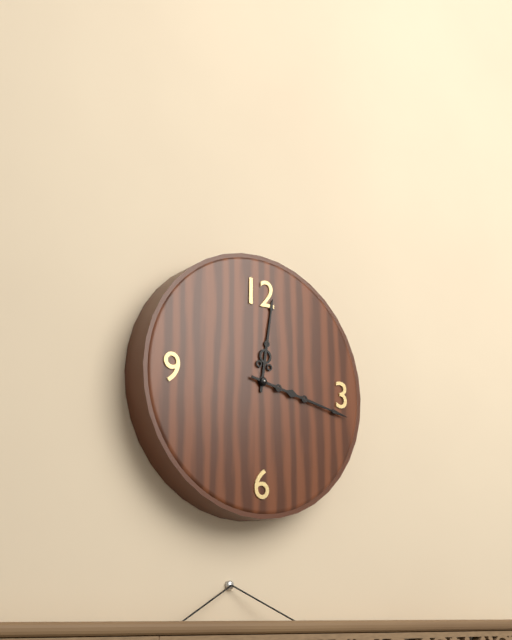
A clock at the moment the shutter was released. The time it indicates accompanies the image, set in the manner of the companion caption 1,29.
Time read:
12,17
